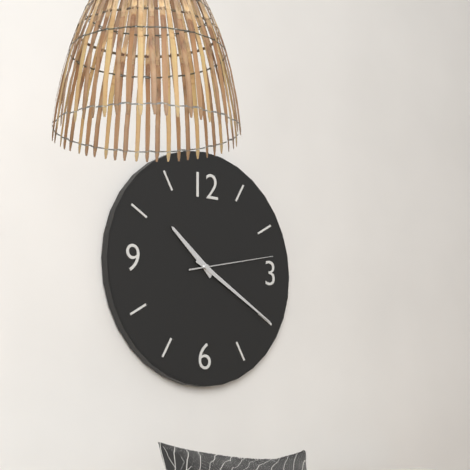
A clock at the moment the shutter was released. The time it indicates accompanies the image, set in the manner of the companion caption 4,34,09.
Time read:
10,20,13
